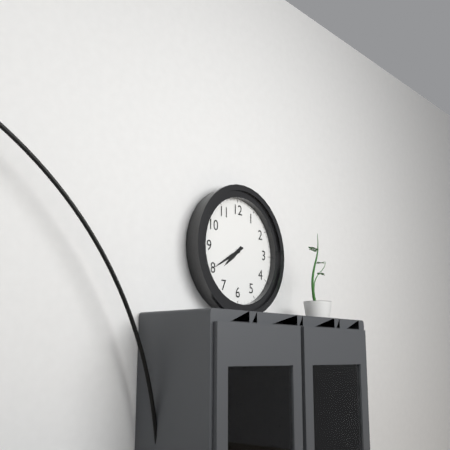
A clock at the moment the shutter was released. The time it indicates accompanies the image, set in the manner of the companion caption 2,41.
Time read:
7,40
